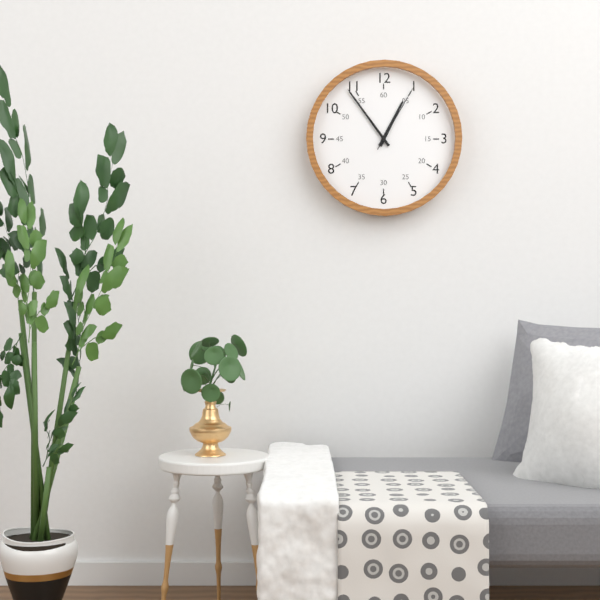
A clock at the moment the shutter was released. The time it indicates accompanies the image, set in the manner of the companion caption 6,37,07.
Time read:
12,54,05
